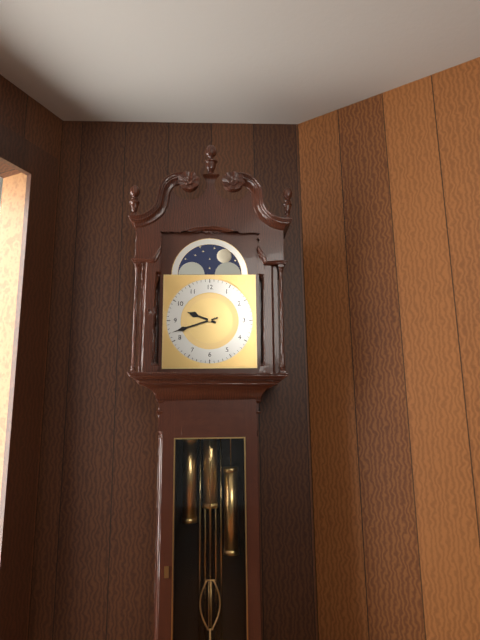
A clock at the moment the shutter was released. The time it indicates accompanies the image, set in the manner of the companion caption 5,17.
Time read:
9,42
